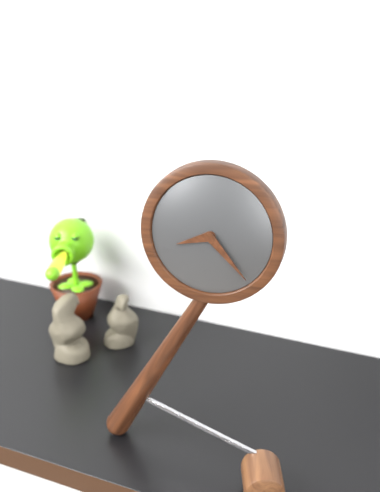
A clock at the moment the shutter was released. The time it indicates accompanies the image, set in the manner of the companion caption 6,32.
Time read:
8,23
